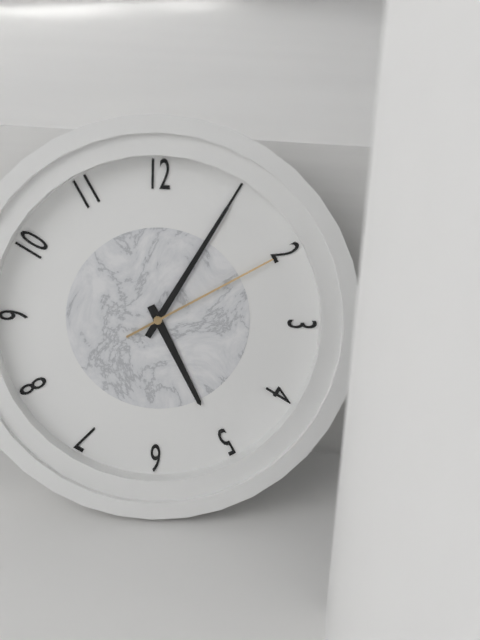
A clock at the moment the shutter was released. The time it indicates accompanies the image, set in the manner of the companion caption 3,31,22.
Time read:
5,05,10
